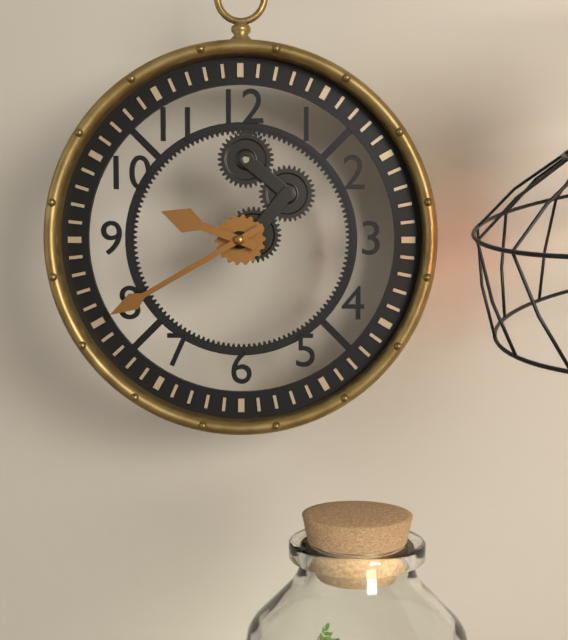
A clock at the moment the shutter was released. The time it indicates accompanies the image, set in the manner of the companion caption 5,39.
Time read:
9,40
